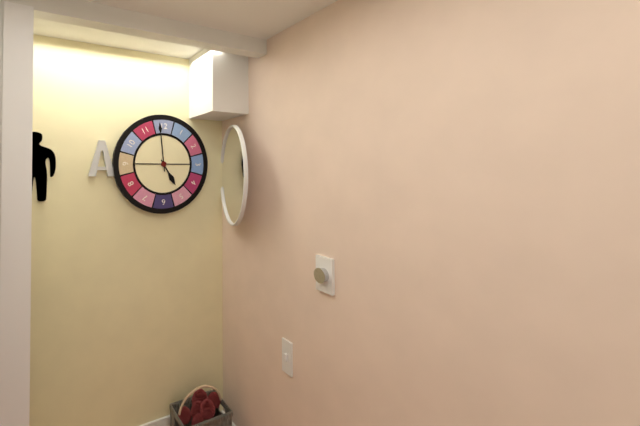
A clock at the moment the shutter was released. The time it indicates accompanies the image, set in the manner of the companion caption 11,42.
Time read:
4,59
